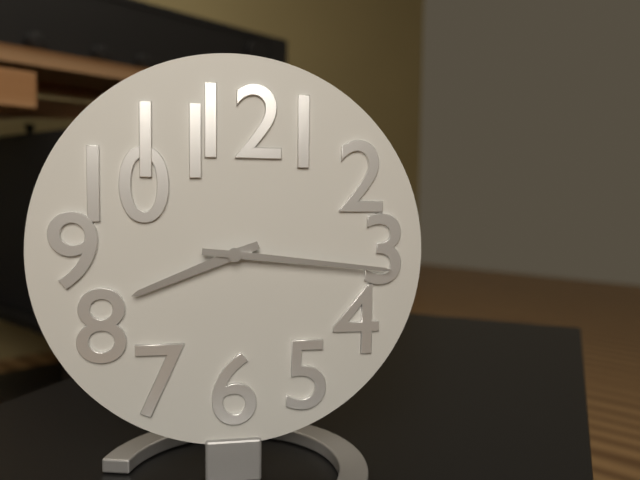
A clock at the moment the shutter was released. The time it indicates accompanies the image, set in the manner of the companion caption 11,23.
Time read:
8,16
